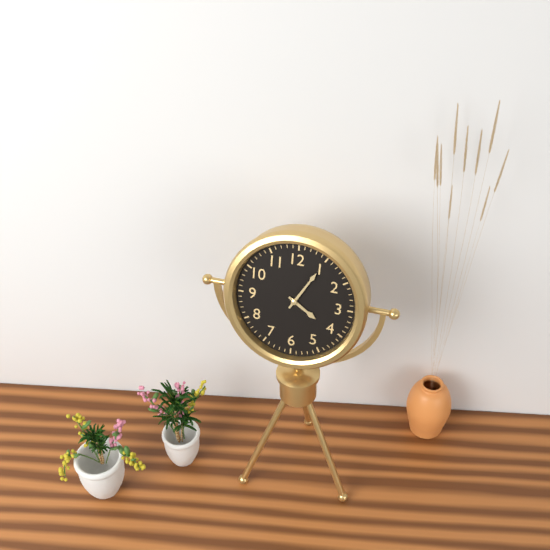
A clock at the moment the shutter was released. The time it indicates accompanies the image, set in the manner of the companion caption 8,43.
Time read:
4,05
